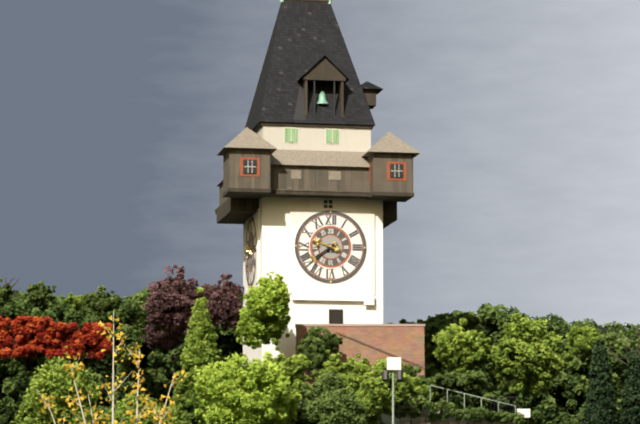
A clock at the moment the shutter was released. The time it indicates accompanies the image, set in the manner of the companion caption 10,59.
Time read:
9,39
